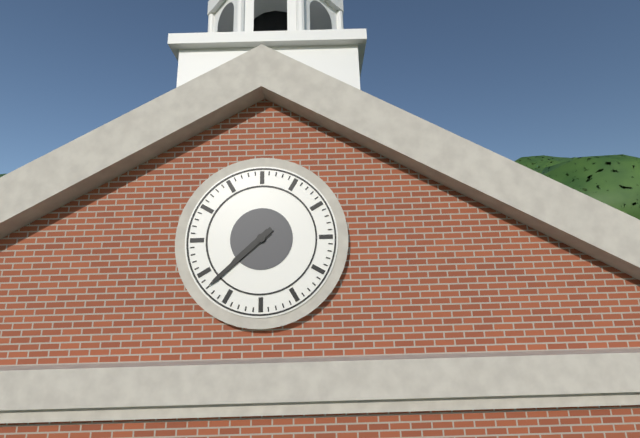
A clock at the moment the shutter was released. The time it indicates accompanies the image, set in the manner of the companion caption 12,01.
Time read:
7,38
